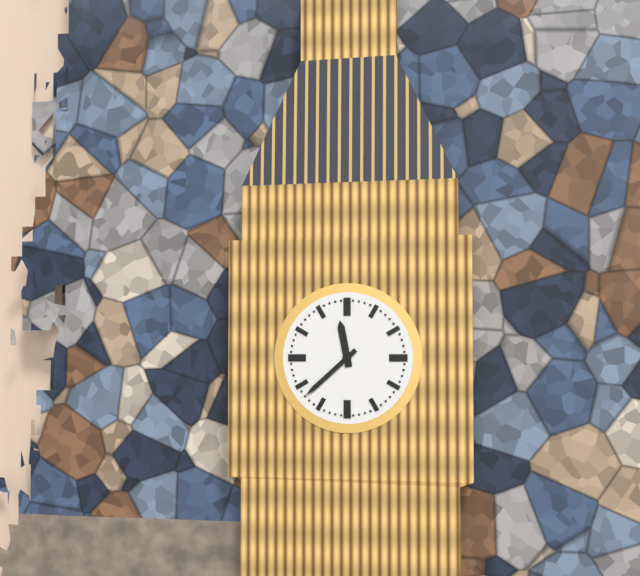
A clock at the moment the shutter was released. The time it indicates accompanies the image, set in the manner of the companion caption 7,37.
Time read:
11,38
